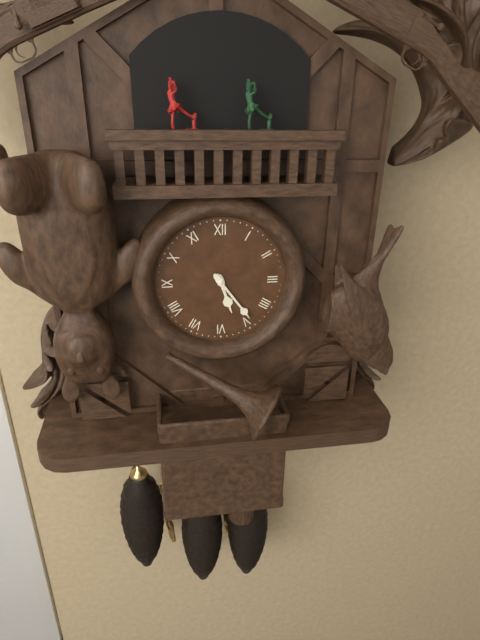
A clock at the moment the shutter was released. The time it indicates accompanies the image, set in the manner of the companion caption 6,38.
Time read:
5,24
